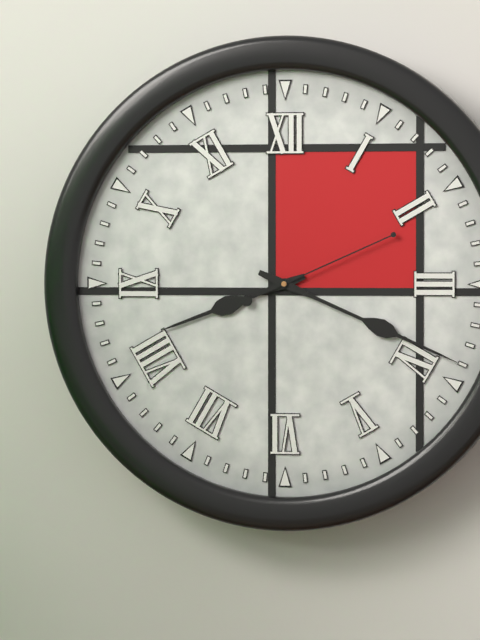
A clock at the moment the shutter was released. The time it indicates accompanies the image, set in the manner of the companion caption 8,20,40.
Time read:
8,19,11
